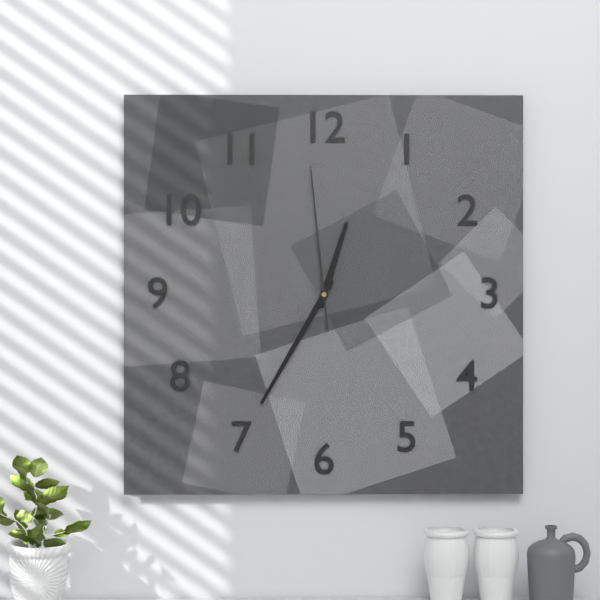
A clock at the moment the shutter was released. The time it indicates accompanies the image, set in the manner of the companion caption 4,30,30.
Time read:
12,35,59
